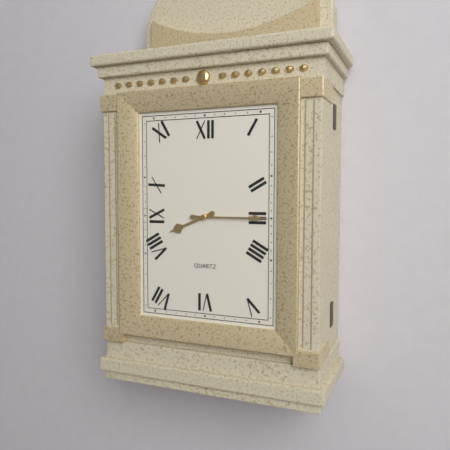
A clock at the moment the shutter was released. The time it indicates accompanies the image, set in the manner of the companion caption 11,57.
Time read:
8,15
